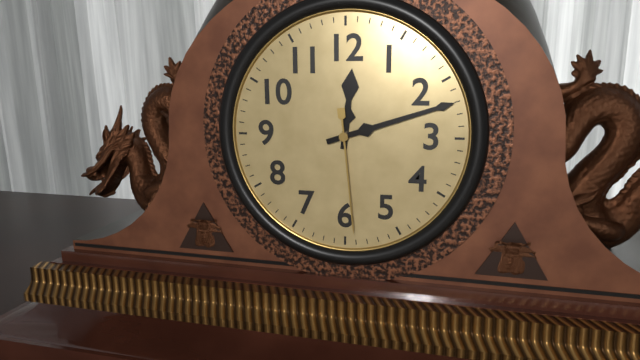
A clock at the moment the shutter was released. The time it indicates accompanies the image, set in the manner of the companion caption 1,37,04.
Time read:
12,12,29
